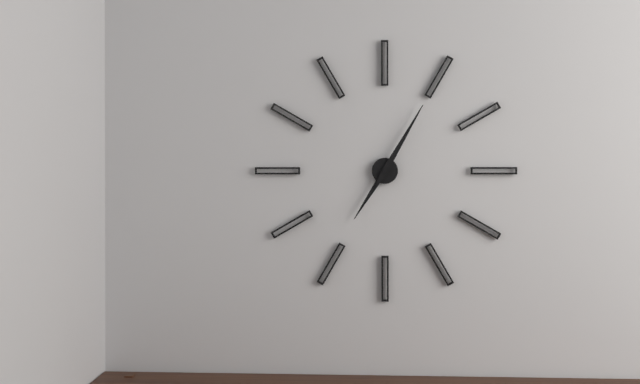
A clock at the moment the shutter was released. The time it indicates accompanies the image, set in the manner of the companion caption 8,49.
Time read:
7,05
